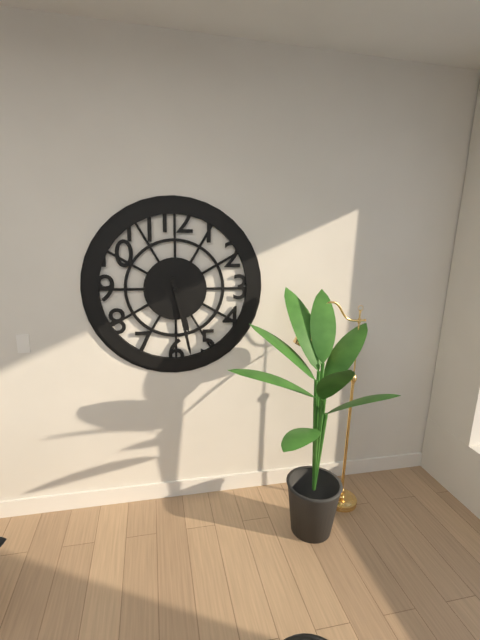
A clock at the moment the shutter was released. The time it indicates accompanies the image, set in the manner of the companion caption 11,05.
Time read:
5,28
